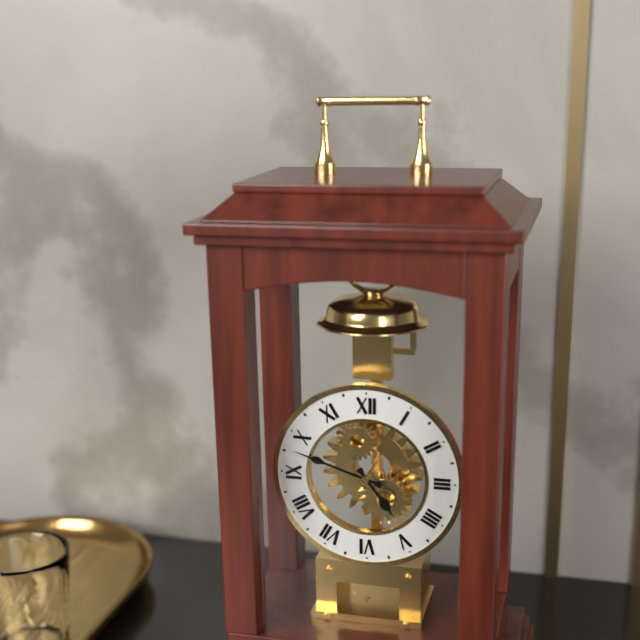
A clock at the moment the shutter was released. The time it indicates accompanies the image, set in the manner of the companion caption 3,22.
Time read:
4,48
